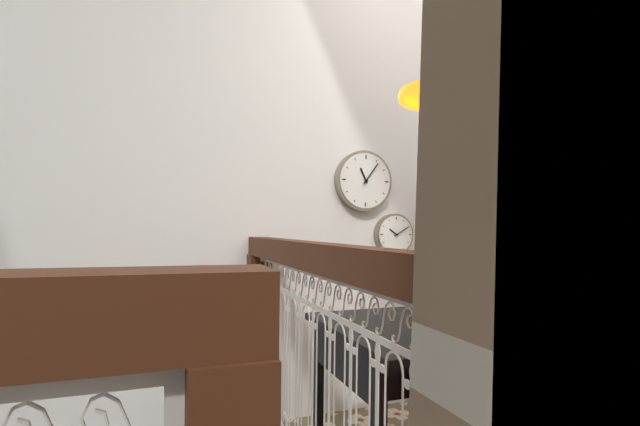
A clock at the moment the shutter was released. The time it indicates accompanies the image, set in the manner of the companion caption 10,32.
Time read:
11,06
